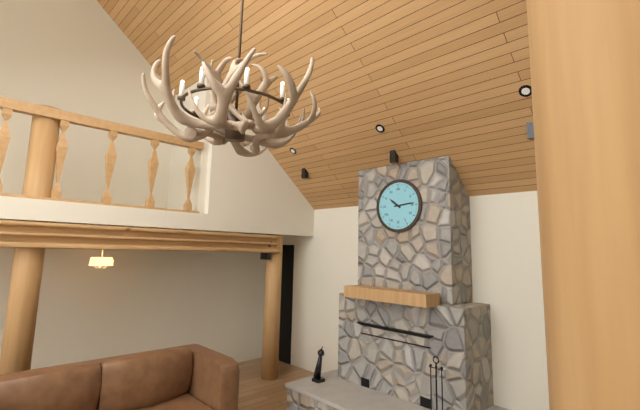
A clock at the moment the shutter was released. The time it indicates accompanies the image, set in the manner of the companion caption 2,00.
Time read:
10,14
